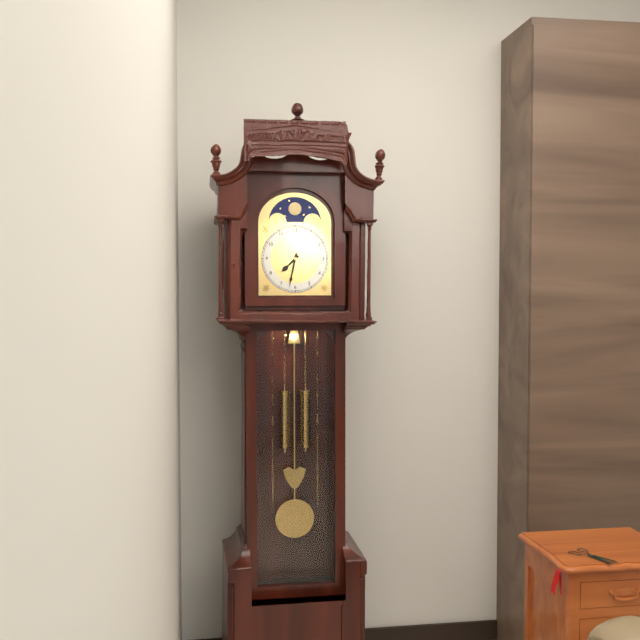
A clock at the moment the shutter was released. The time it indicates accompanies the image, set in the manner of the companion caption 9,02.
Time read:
7,32
